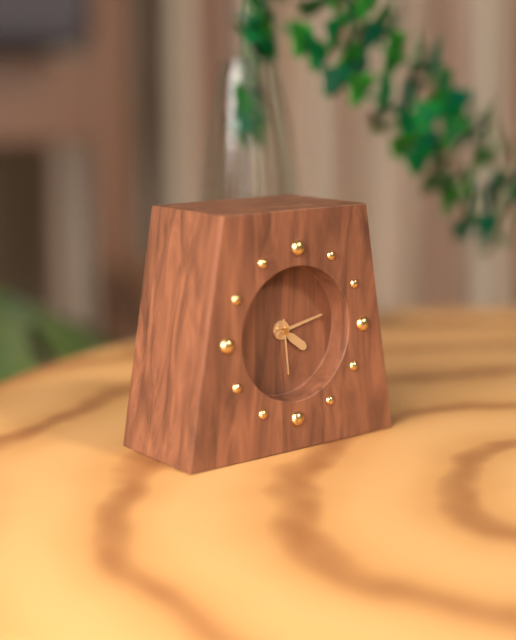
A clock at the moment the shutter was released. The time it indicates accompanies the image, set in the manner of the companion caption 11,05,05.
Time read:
4,13,29
